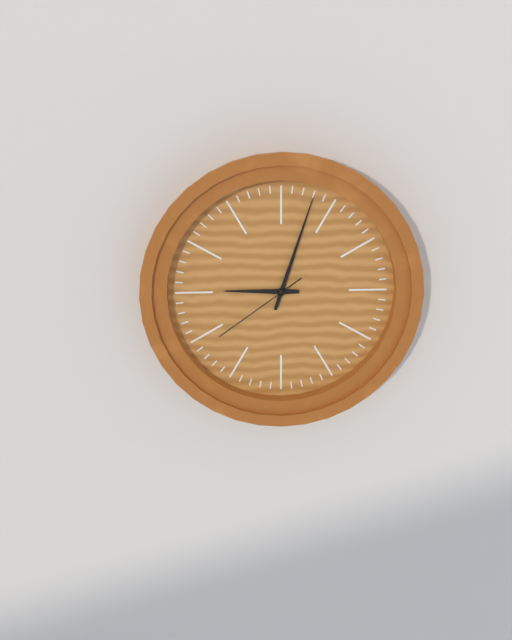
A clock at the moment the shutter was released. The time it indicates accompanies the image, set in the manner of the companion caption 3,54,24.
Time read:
9,03,39
